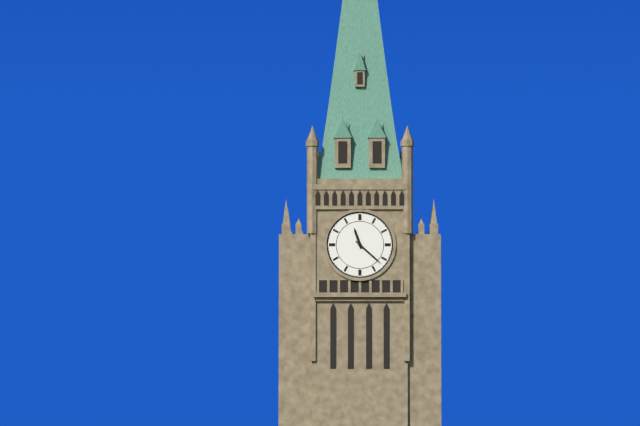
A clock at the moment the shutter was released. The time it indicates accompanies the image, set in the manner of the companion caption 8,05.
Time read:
11,22
